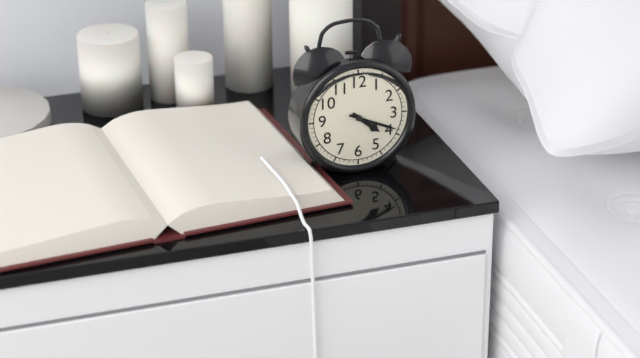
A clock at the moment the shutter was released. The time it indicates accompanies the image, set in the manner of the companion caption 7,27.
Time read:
4,19
